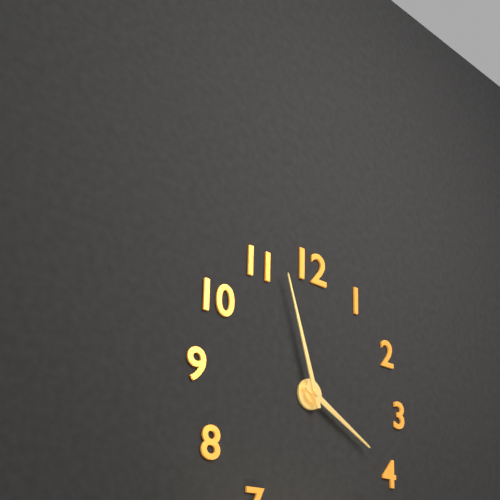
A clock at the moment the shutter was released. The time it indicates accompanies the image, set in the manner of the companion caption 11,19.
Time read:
3,57
